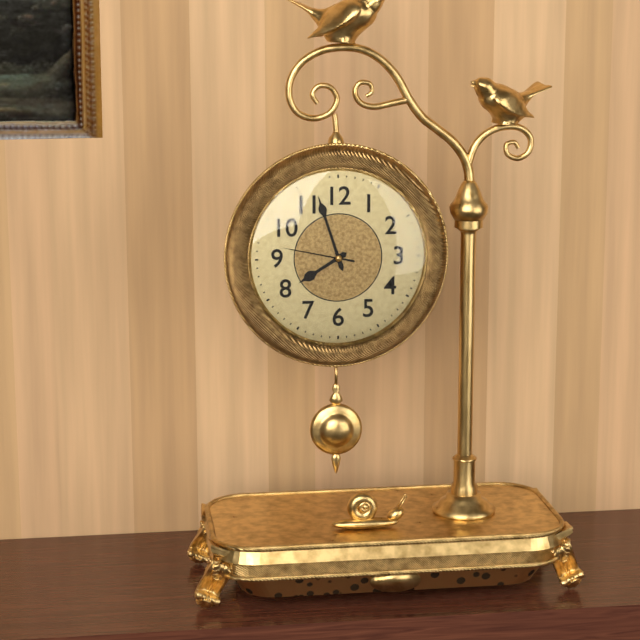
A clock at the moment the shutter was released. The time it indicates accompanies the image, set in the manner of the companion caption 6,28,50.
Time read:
7,57,47
